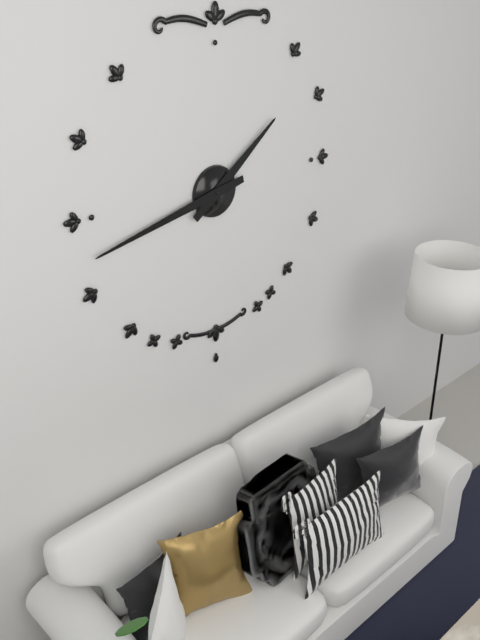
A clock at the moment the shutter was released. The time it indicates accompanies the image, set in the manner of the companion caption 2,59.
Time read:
1,43
